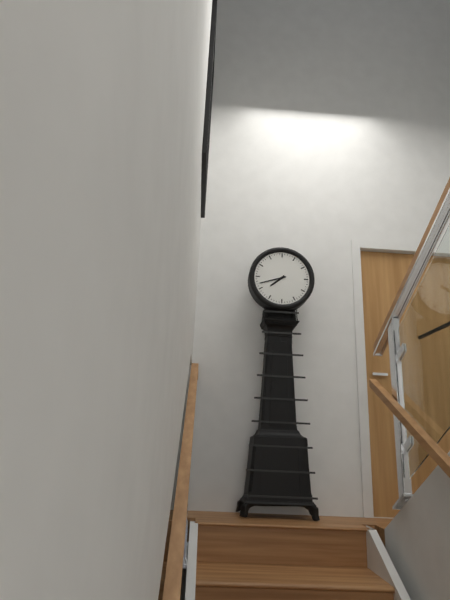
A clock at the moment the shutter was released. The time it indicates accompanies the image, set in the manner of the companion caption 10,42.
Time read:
7,42
